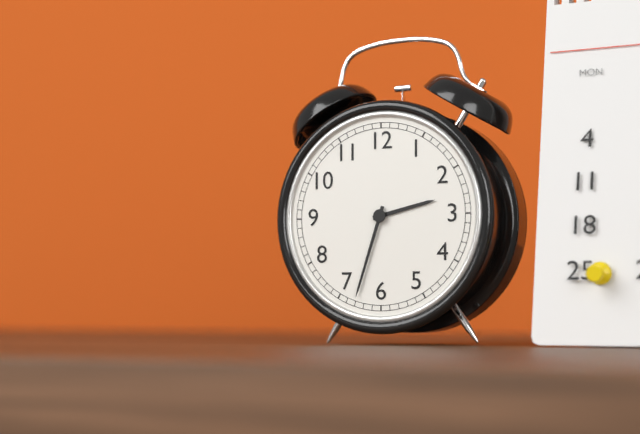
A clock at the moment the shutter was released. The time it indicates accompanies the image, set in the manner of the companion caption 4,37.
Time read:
2,33
